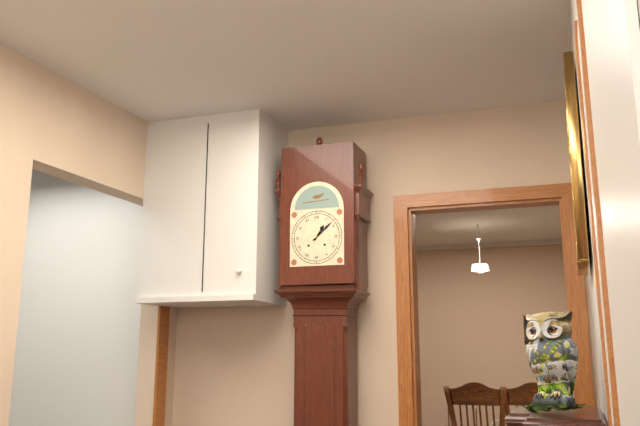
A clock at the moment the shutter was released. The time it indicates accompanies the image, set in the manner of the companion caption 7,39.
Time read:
1,08
